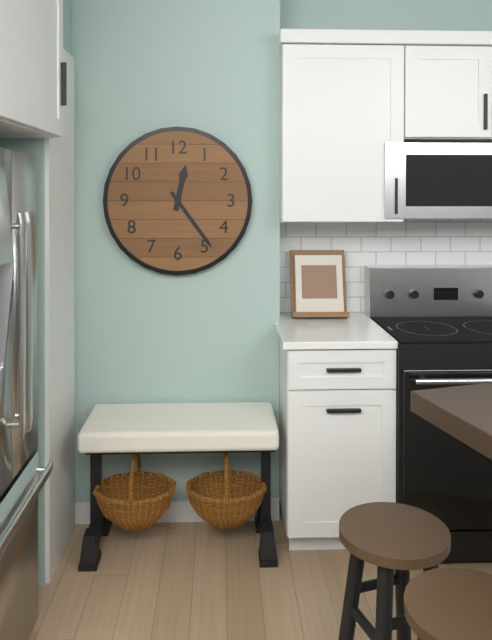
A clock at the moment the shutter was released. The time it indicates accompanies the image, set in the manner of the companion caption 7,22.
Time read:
12,24
